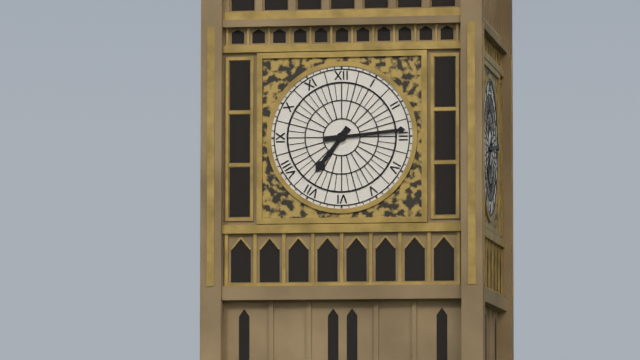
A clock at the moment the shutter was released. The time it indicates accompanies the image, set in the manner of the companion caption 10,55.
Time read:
7,14
